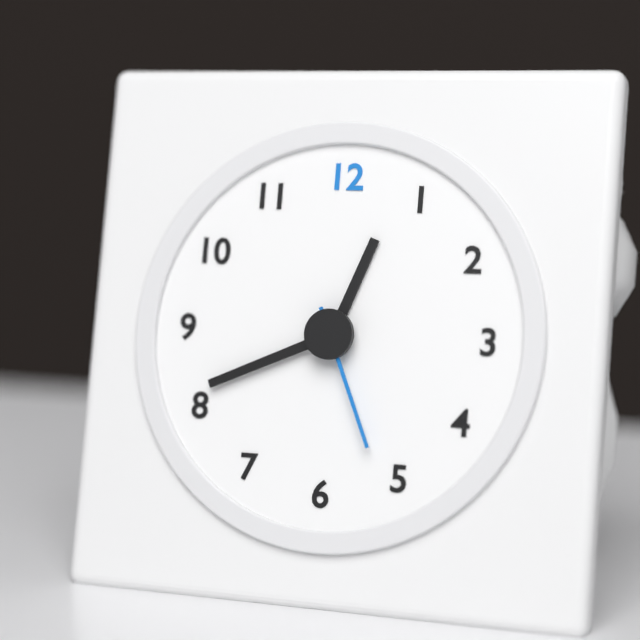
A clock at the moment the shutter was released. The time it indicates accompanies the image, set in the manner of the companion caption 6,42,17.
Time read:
12,41,26
